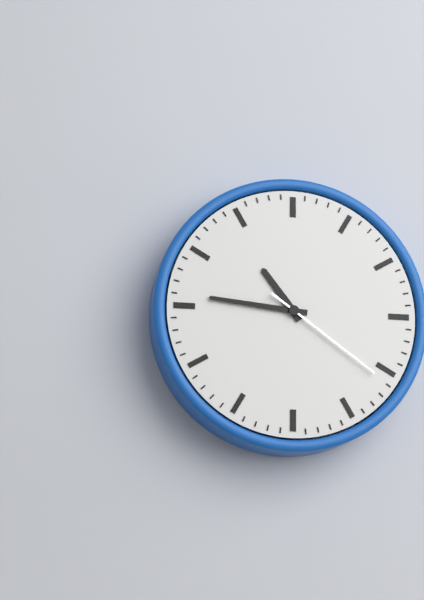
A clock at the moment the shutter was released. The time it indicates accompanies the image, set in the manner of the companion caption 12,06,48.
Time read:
10,46,21
